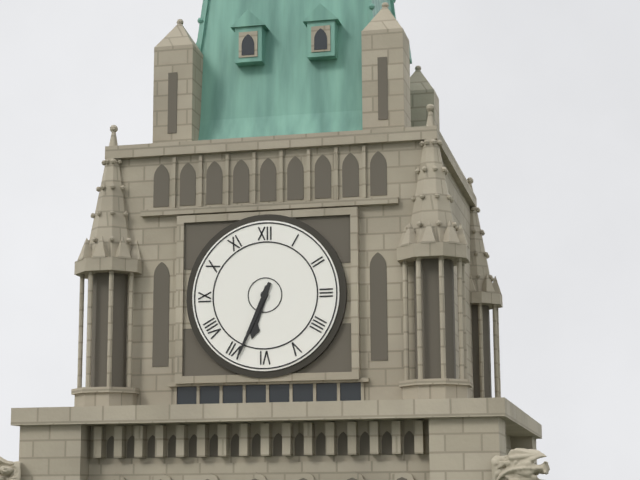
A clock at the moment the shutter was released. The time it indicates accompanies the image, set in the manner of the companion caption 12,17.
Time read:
6,34
